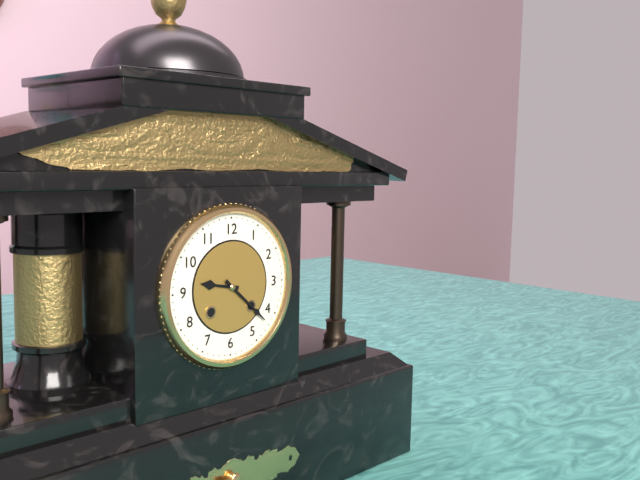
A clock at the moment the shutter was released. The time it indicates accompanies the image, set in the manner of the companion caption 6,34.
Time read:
9,22
